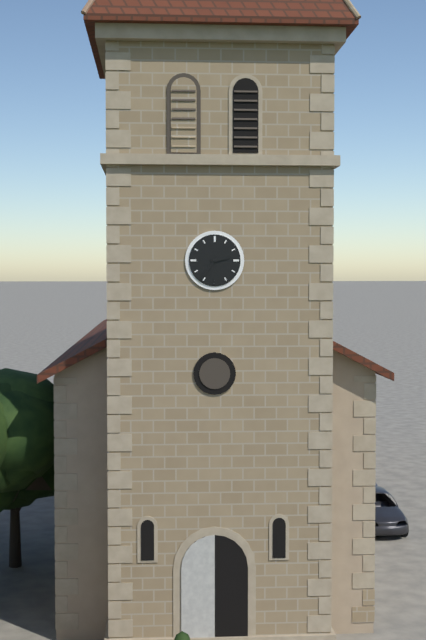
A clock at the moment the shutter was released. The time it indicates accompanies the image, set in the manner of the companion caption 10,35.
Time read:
2,36
